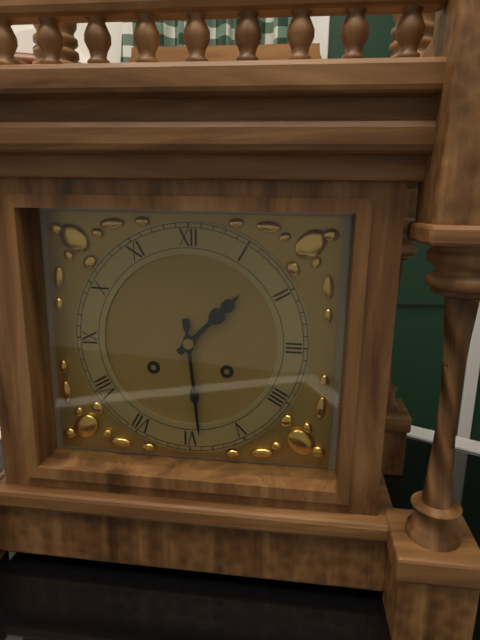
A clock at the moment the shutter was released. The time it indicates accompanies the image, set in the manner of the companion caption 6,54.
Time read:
1,29
